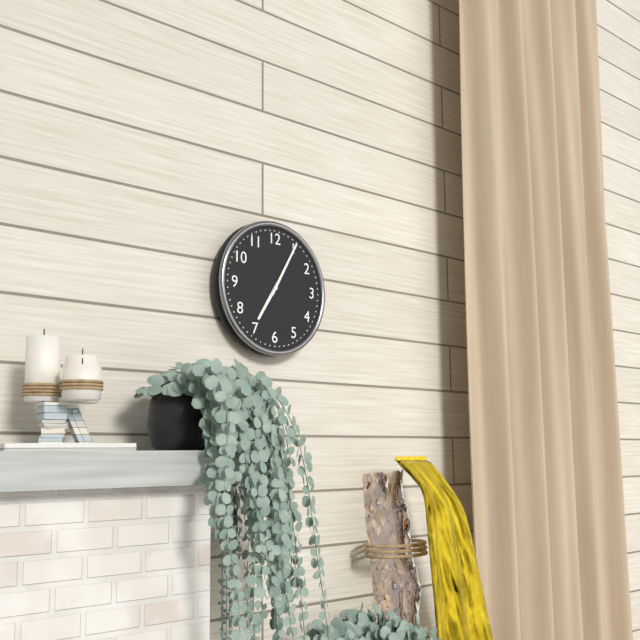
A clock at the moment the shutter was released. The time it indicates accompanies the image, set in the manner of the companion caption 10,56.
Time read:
7,05
